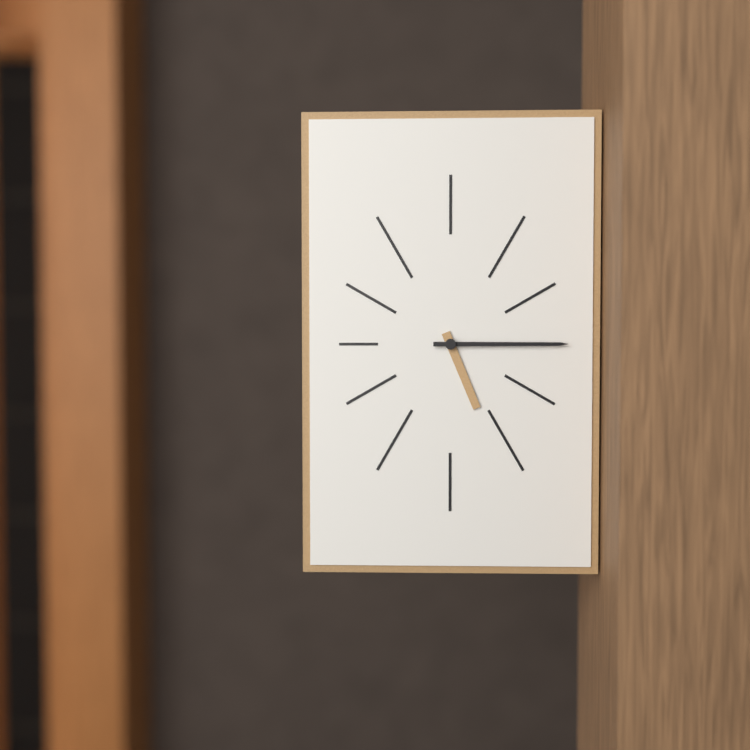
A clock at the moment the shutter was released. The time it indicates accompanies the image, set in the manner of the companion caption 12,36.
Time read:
5,15
